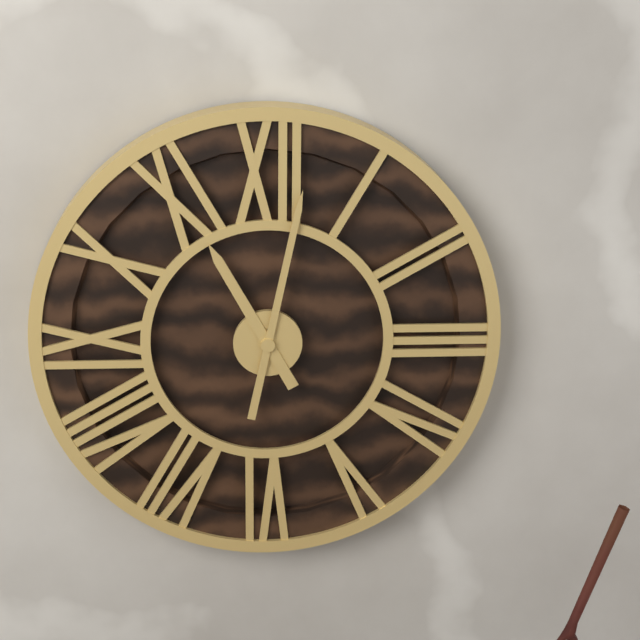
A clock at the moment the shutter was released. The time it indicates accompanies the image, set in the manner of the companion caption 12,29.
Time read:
11,02
